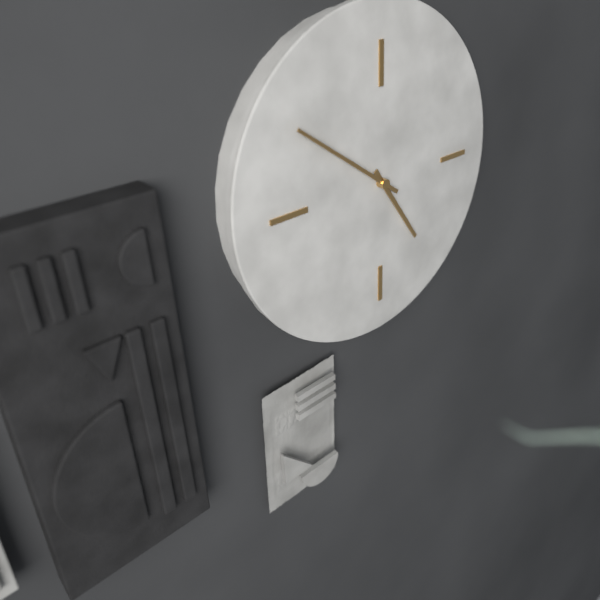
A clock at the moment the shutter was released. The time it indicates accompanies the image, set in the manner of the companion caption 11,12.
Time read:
4,51
